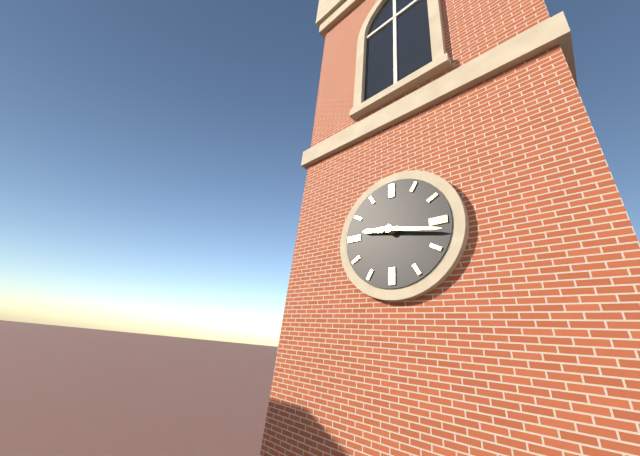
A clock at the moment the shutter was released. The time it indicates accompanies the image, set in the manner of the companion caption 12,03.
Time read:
9,17
